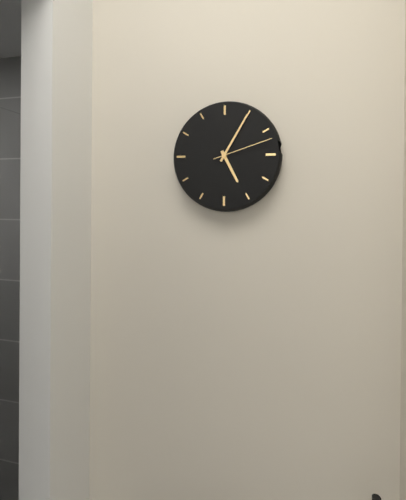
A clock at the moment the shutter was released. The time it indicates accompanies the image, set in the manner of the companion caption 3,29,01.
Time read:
5,05,12
